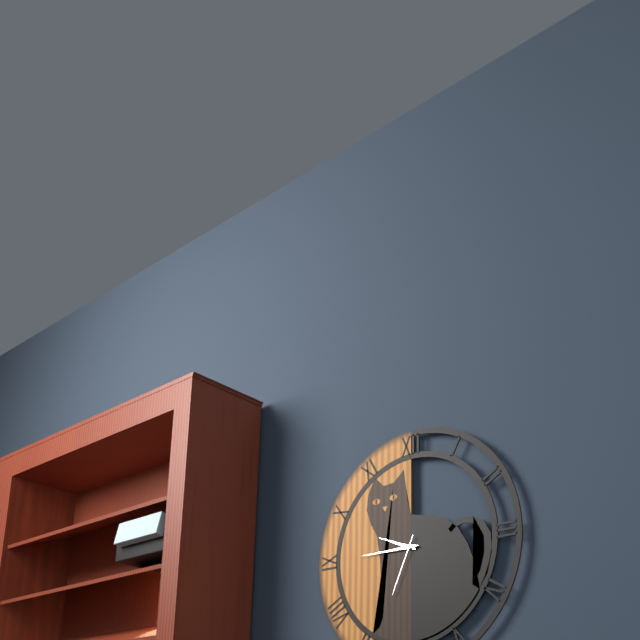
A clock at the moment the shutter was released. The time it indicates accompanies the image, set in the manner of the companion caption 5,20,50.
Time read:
9,45,34
